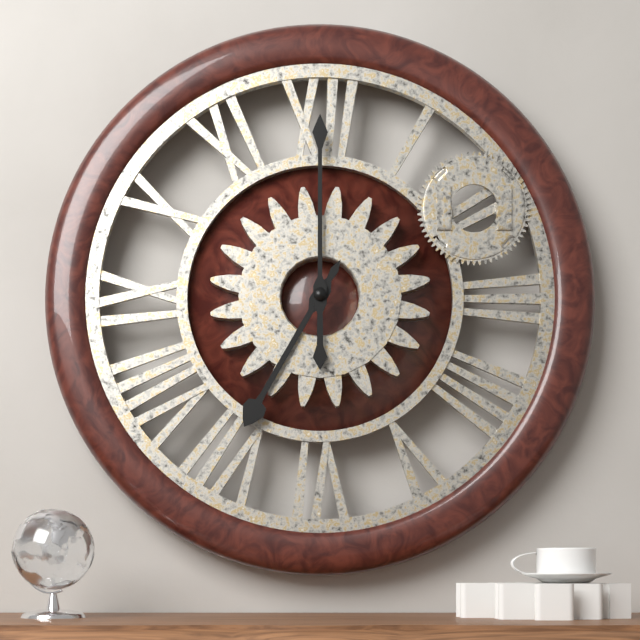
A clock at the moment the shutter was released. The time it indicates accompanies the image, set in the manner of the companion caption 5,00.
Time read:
7,00
